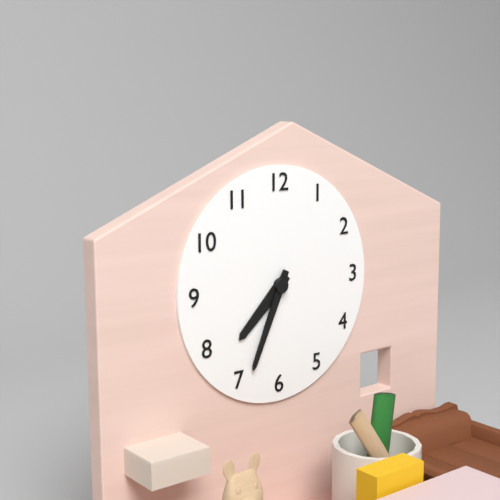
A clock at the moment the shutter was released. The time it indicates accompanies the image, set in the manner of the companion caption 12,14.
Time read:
7,34
